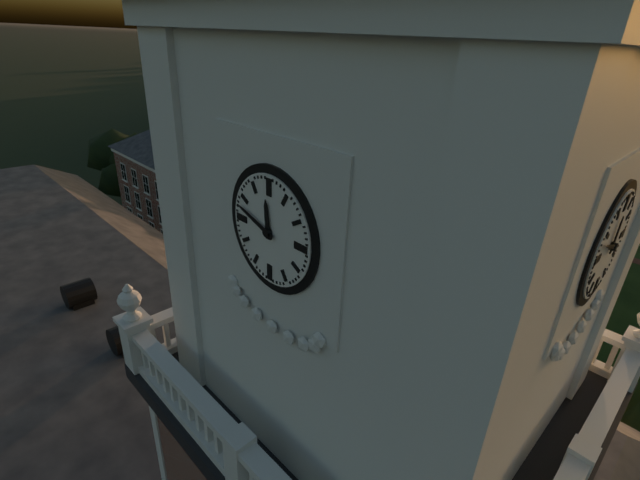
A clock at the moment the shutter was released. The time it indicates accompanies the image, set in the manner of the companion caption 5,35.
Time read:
11,48
